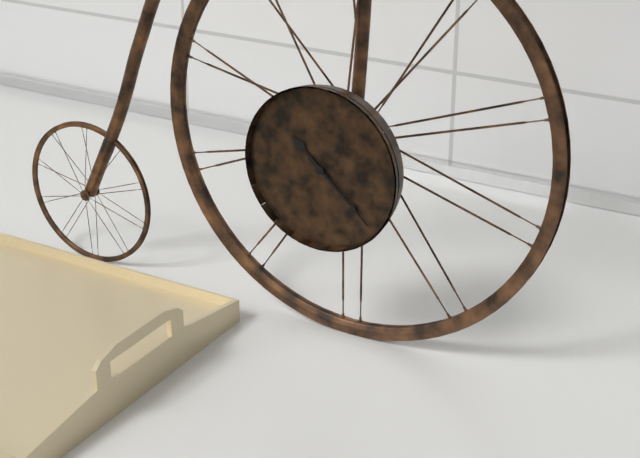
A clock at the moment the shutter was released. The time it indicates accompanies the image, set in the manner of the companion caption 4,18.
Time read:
10,22
